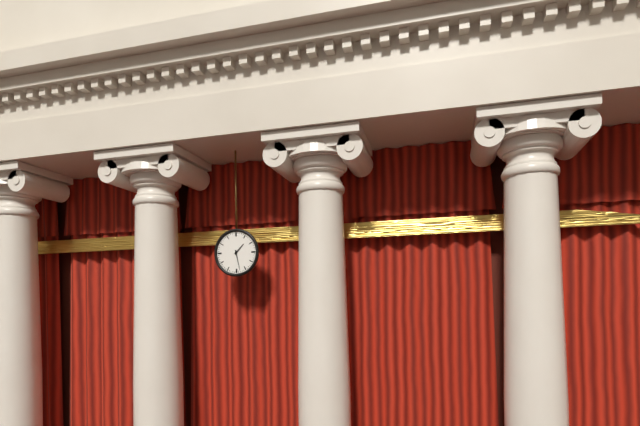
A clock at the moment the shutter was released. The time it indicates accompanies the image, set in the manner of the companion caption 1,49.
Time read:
1,28
